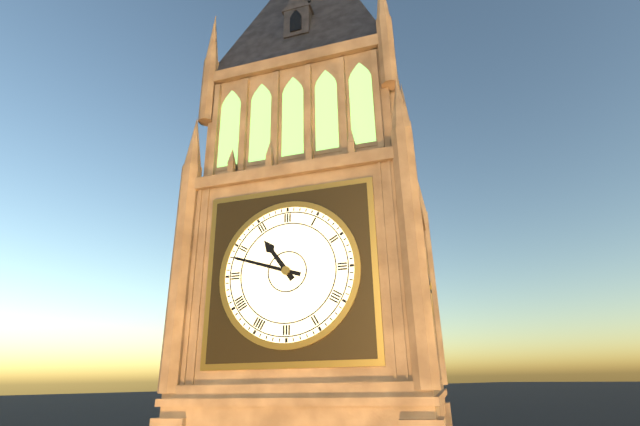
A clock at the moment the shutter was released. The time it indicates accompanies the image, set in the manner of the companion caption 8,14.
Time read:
10,48
